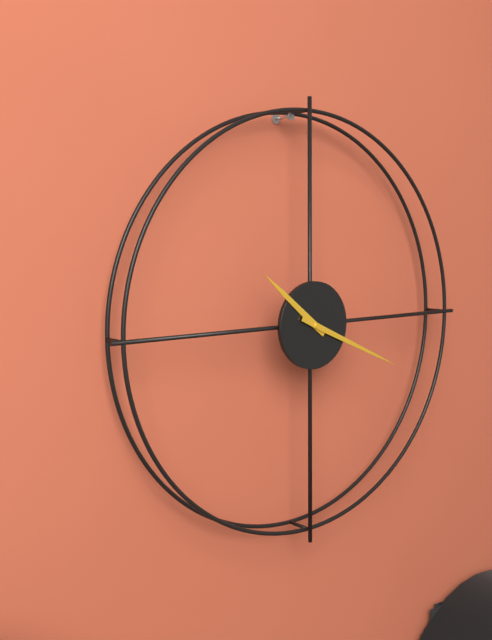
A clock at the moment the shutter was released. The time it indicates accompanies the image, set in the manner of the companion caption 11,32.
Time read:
10,19
